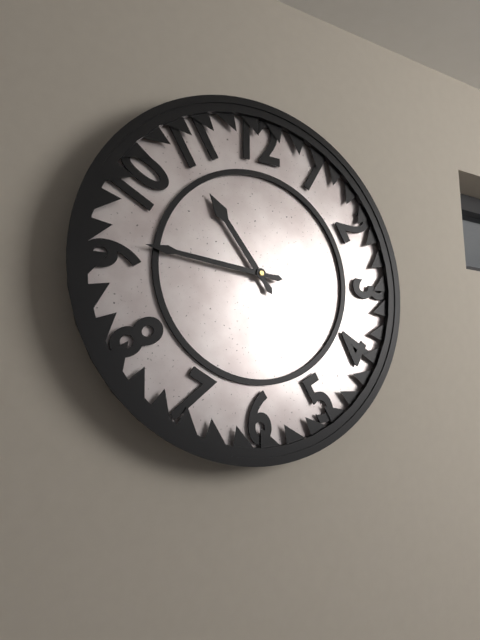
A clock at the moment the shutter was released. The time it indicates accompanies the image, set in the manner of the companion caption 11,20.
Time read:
10,46
